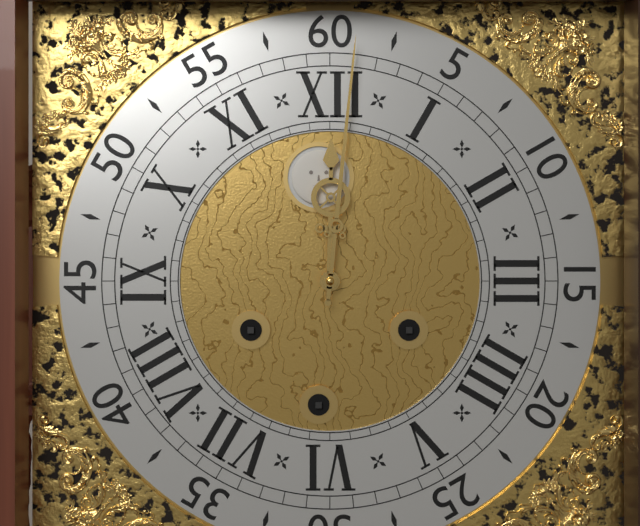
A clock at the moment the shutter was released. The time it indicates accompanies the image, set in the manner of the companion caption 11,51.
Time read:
12,01
